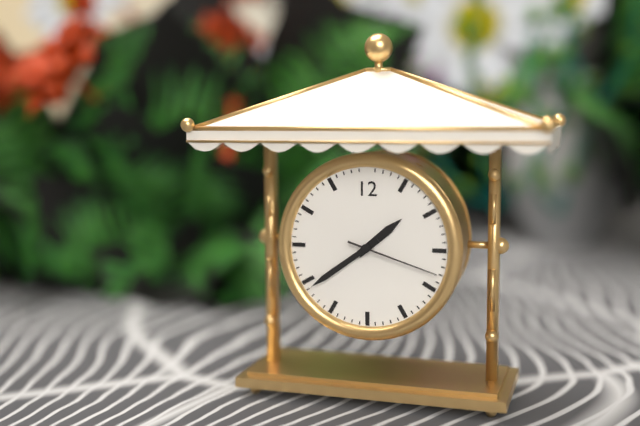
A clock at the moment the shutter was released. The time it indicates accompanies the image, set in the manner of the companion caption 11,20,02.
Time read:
1,39,18
